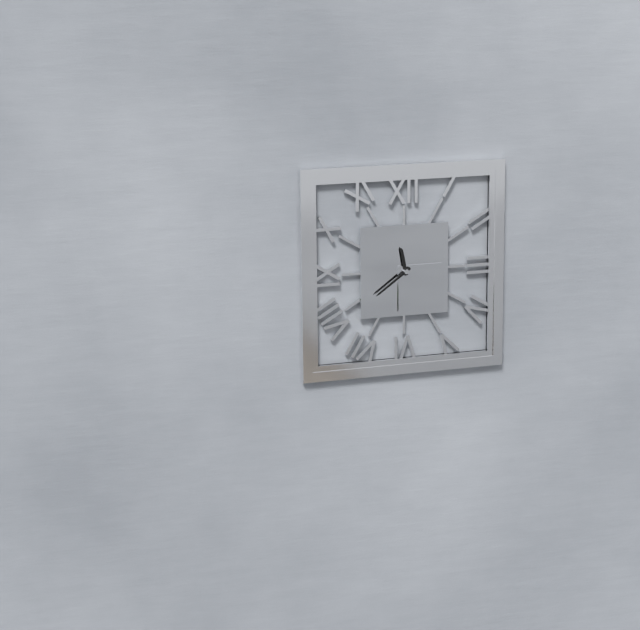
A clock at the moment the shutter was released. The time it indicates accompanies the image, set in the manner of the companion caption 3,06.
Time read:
11,39
